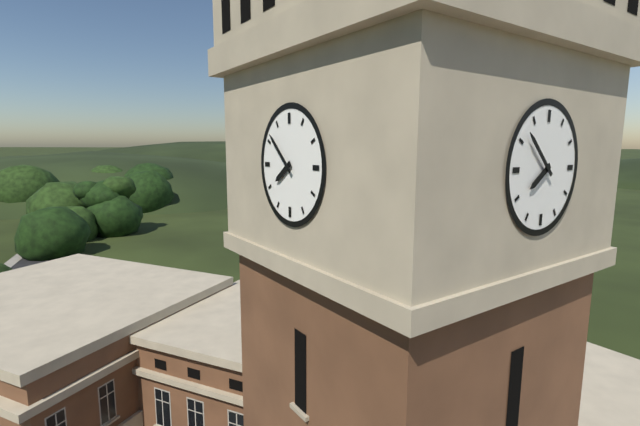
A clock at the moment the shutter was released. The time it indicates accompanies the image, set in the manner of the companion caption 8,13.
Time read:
7,52
